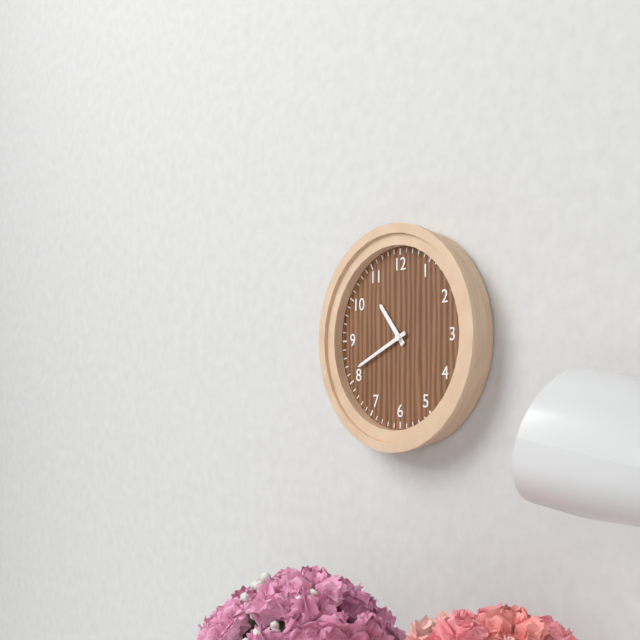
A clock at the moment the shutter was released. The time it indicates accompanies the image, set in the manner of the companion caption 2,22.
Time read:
10,41
